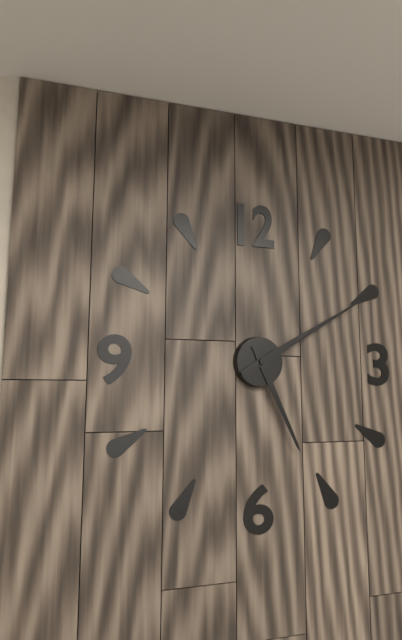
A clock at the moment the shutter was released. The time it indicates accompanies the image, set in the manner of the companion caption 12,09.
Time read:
5,10
